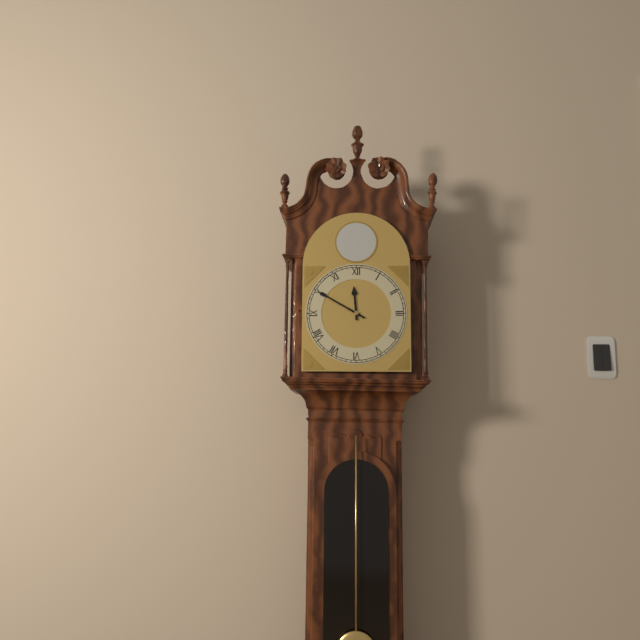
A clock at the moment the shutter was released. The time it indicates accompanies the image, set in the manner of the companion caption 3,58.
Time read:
11,50
